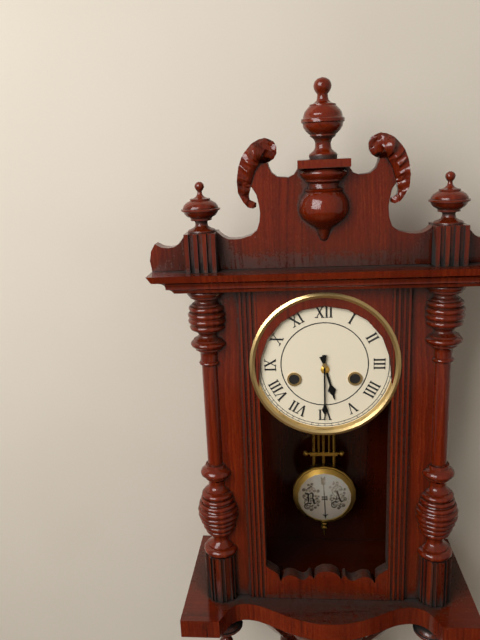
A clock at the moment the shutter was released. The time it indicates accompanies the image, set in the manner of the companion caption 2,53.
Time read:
5,30
